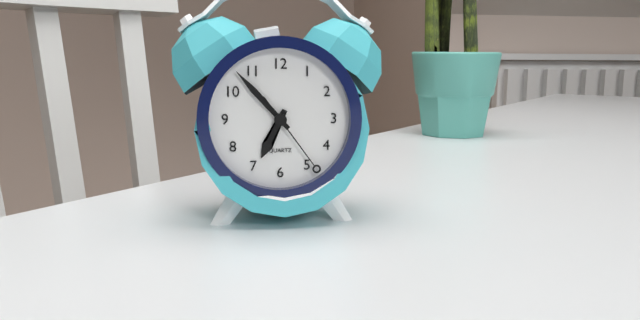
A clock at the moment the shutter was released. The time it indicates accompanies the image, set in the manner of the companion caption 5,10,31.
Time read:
6,53,24
